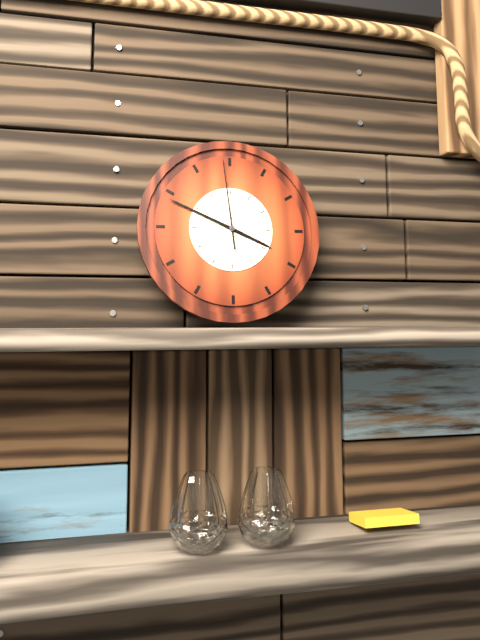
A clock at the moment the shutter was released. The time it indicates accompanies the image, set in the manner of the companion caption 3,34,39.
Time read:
3,49,59
